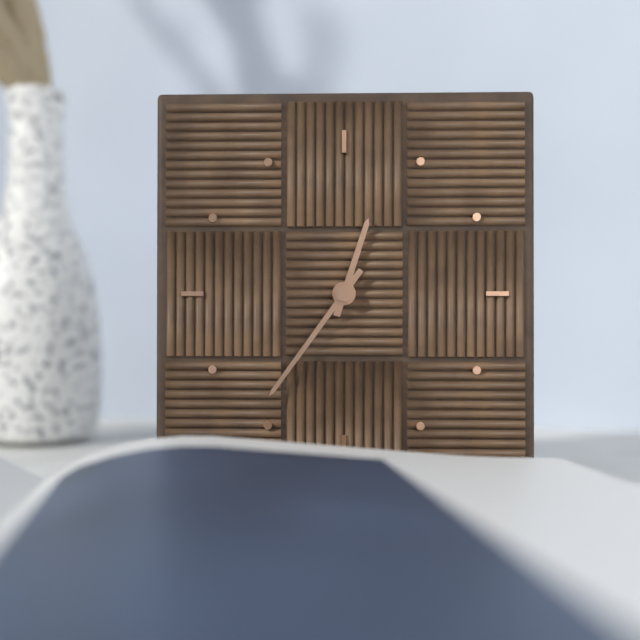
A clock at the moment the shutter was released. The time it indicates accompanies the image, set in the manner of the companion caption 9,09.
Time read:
12,36
